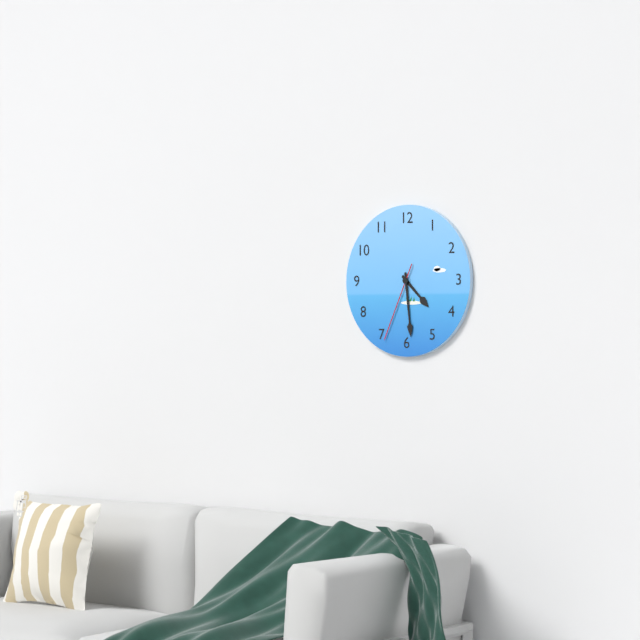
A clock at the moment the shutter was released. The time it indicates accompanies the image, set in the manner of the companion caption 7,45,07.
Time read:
4,29,34
